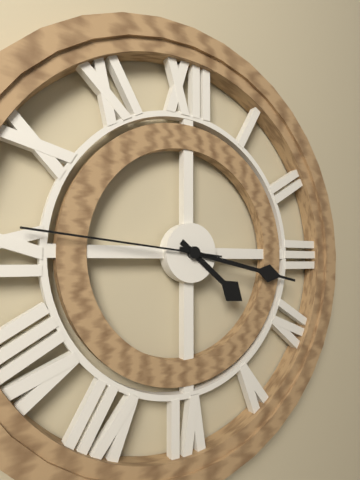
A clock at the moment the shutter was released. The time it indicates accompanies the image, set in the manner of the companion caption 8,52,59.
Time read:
4,17,46
